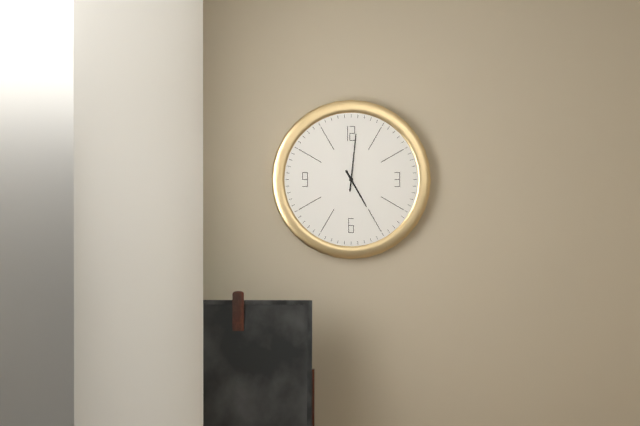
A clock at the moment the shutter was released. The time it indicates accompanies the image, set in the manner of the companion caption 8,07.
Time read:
5,01
